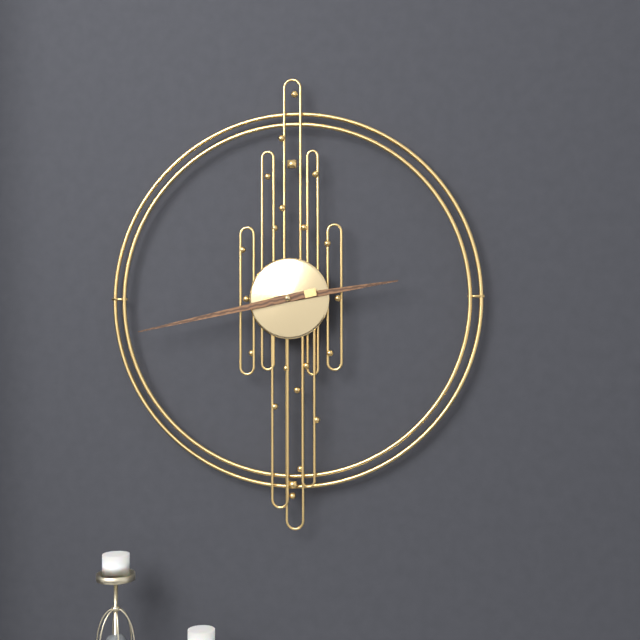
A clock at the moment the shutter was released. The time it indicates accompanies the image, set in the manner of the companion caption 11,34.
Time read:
2,43
